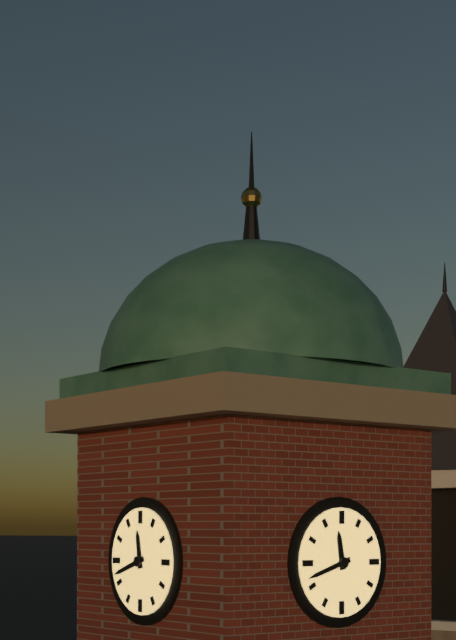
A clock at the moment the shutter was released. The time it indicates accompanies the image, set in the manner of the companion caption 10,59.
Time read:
11,42
